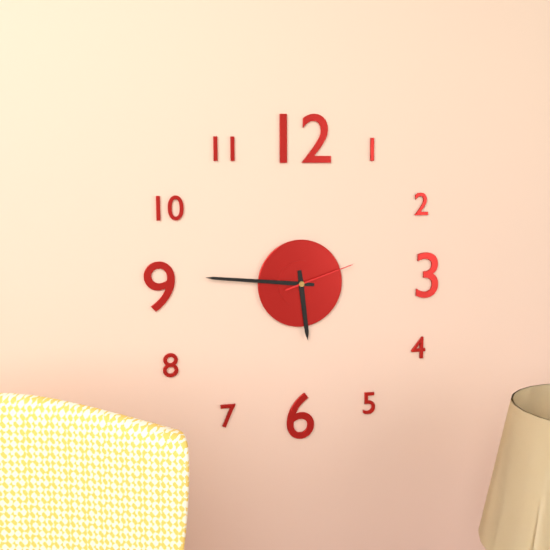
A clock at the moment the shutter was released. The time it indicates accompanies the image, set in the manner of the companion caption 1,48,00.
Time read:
5,46,12
